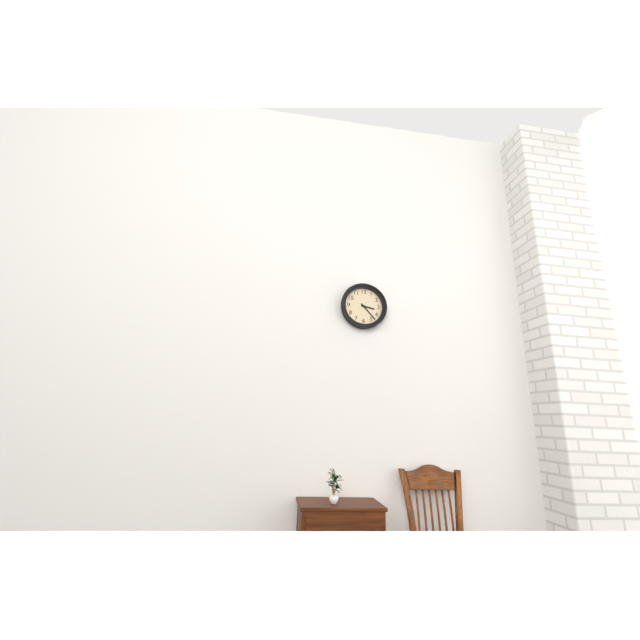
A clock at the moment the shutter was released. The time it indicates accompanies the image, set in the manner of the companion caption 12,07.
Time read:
3,23
